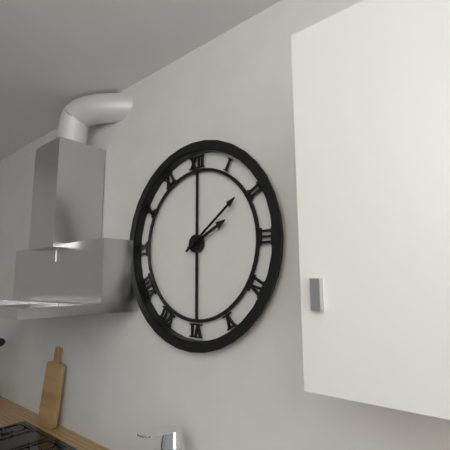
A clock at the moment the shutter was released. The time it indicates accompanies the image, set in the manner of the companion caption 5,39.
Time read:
2,09
